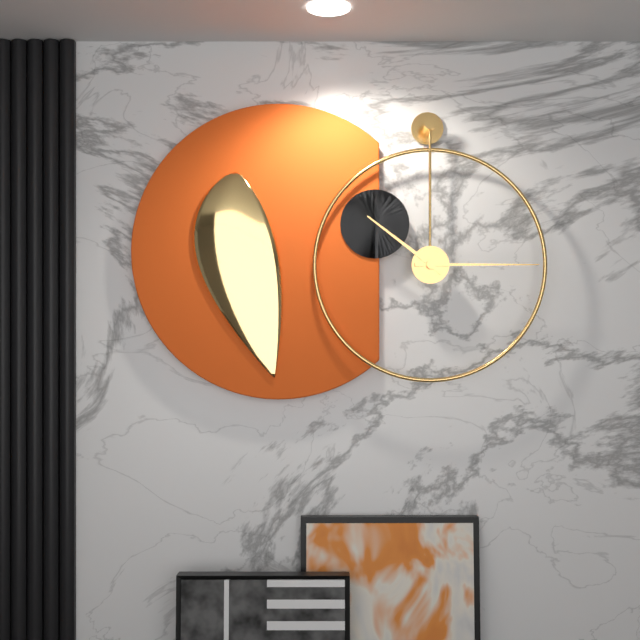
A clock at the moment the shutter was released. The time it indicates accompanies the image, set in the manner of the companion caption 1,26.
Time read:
10,15
